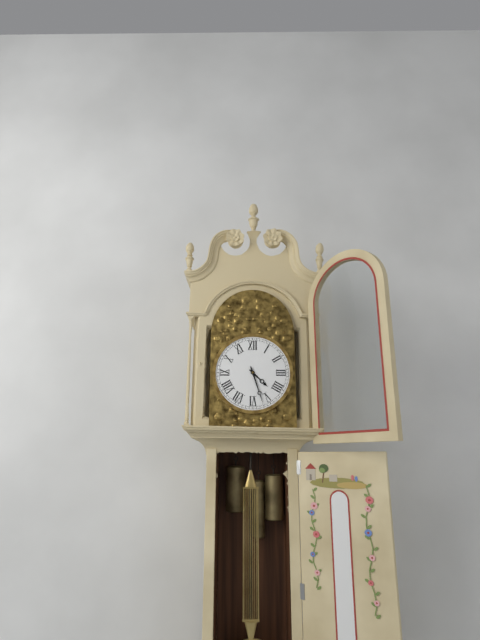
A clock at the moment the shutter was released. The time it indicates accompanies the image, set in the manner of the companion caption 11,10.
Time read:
4,27
